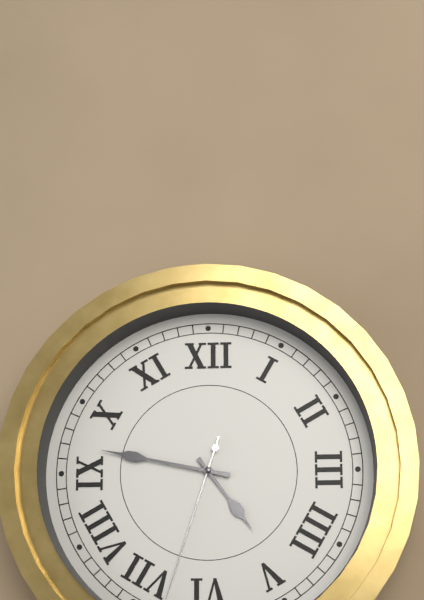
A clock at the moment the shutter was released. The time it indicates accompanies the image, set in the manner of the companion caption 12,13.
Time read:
4,47
